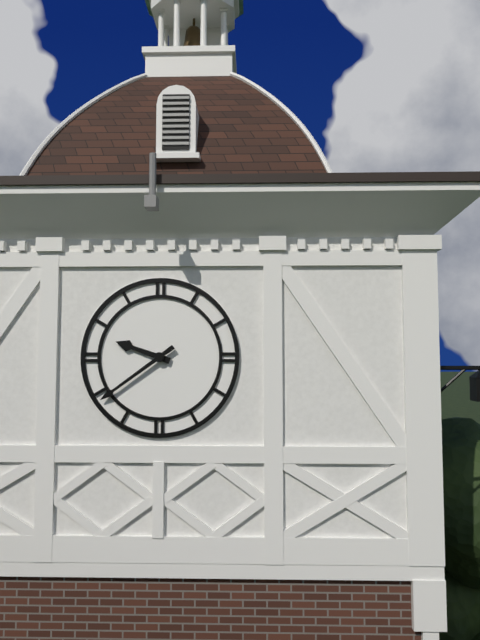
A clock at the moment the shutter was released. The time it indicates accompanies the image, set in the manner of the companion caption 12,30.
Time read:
9,39
